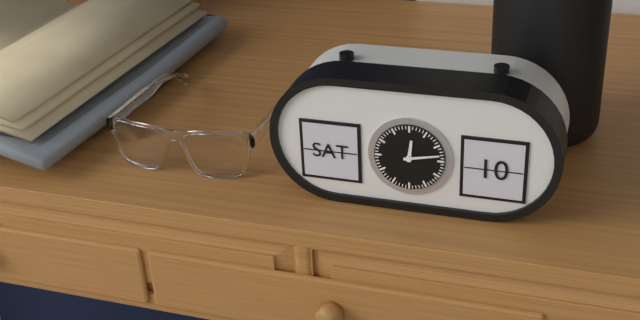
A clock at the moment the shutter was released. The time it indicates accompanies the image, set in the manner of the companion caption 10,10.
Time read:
12,13
